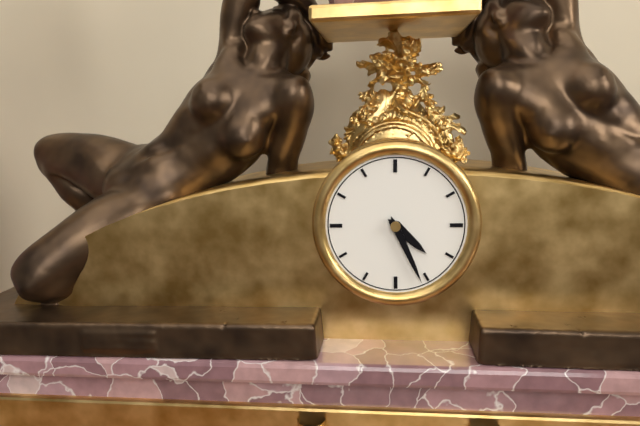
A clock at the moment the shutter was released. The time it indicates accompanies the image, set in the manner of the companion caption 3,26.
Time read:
4,26
